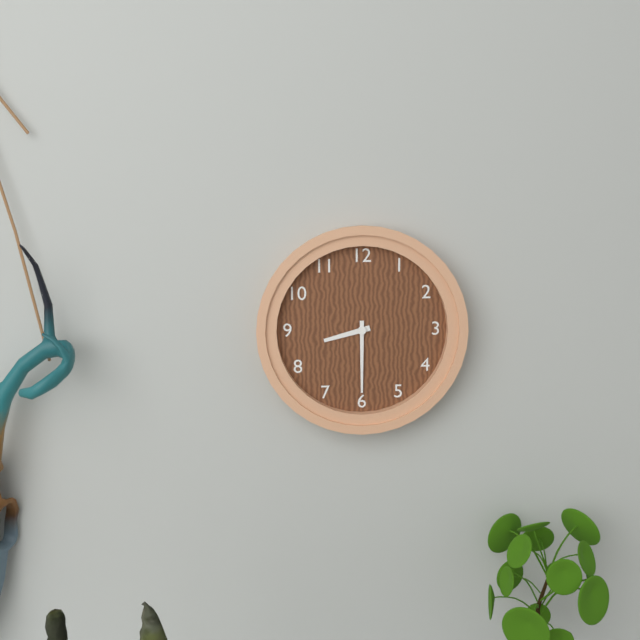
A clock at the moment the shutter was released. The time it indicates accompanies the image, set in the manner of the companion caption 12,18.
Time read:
8,30
